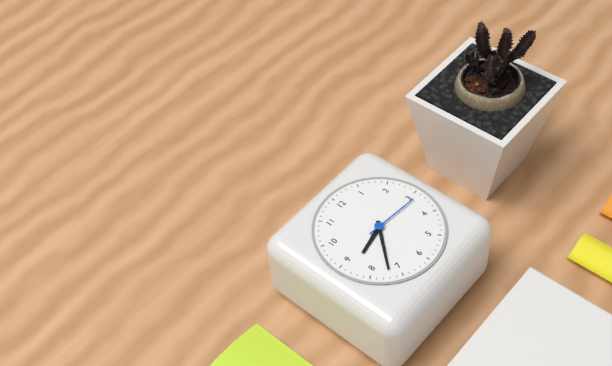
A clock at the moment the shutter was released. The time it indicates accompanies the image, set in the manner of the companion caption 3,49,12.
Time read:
8,37,16
